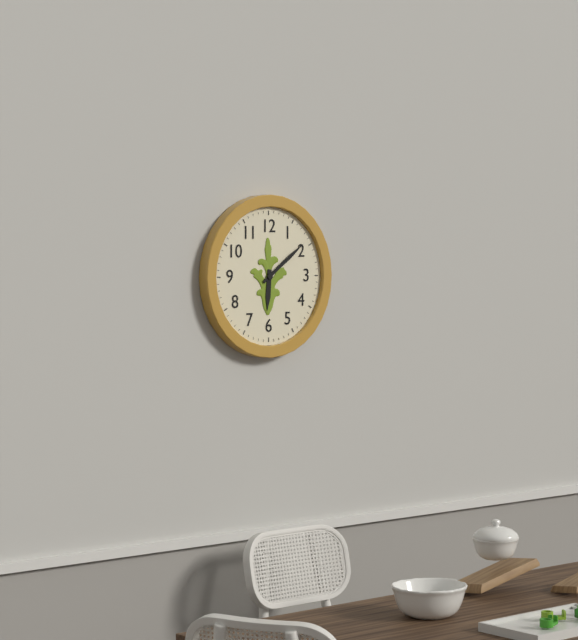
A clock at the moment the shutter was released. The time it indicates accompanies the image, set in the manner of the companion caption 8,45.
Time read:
6,09
